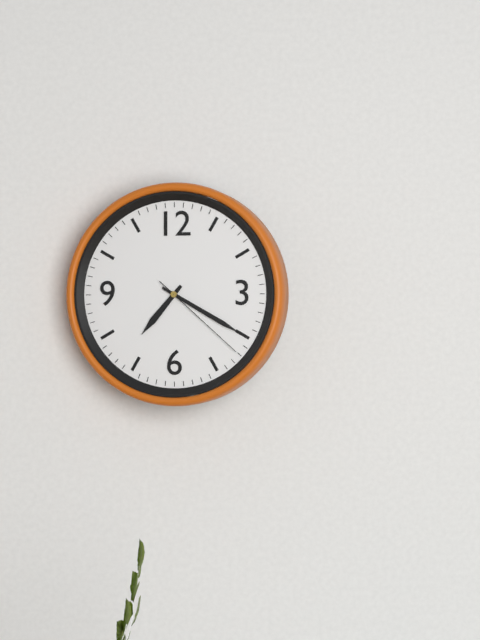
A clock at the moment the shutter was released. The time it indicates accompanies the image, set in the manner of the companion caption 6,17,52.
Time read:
7,20,22
